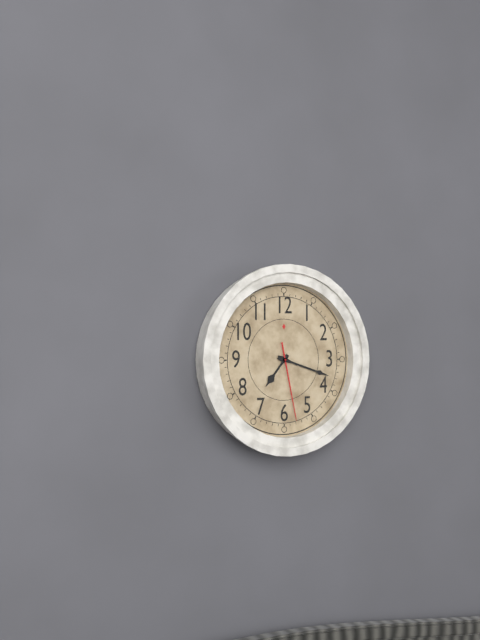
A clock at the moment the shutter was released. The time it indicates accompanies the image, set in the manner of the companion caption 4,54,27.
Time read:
7,18,28
